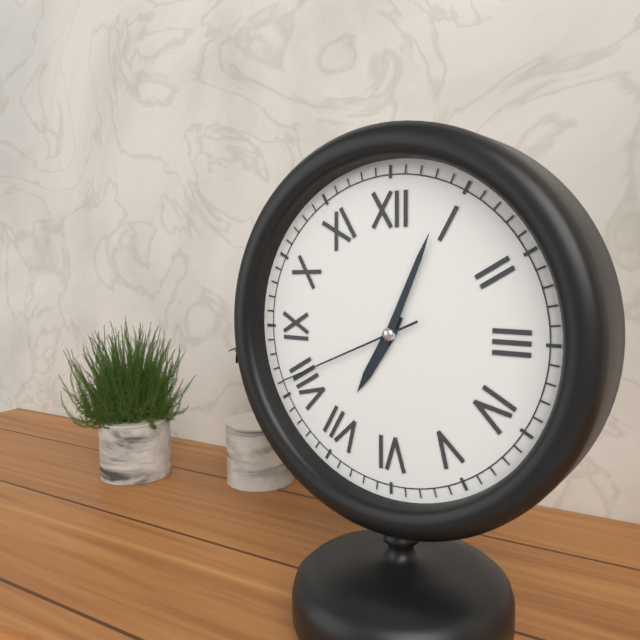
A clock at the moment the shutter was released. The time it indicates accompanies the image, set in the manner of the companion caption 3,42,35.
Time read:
7,04,41
